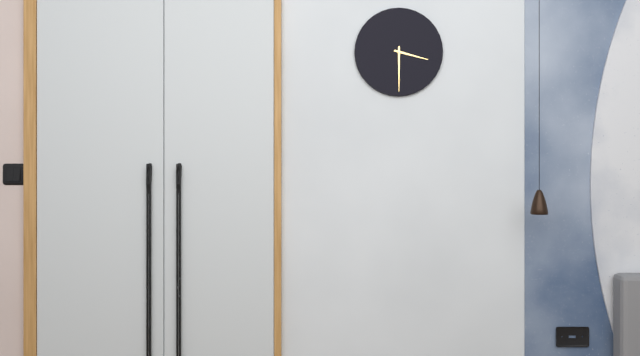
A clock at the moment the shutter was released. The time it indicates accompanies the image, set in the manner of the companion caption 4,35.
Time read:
3,30
